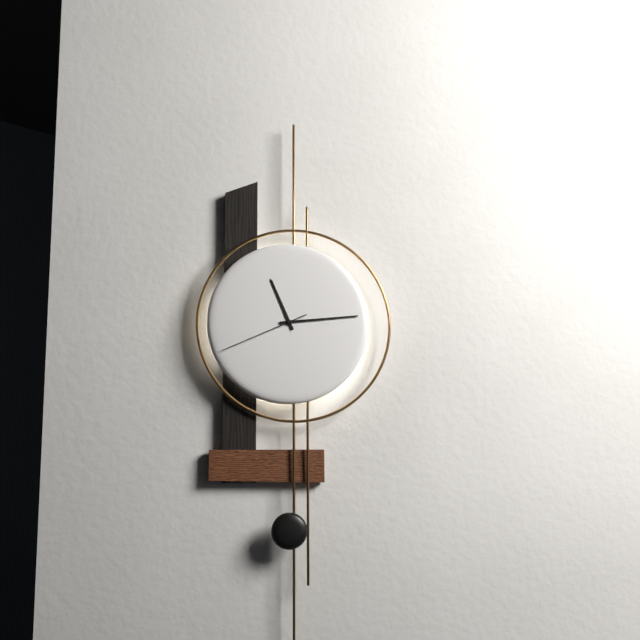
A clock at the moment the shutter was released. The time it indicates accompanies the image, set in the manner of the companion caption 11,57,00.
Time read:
11,14,41
